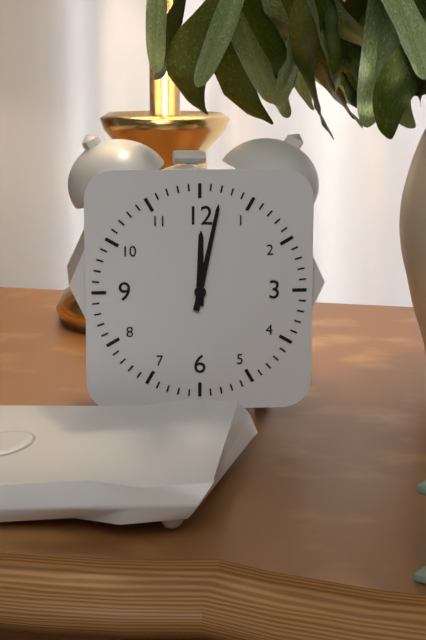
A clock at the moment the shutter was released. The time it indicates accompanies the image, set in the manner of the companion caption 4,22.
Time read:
12,02
